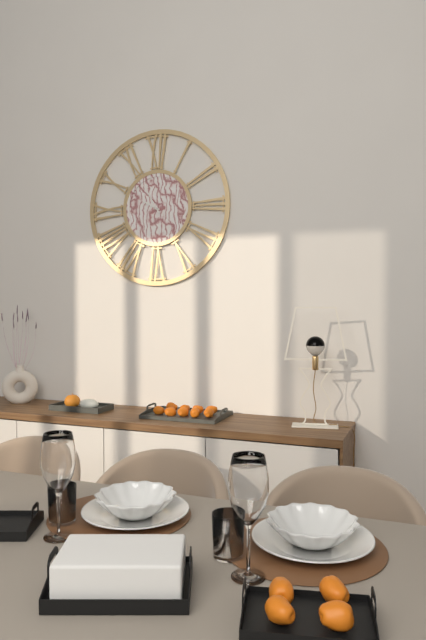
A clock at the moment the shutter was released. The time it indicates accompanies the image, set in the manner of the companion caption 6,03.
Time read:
9,55
